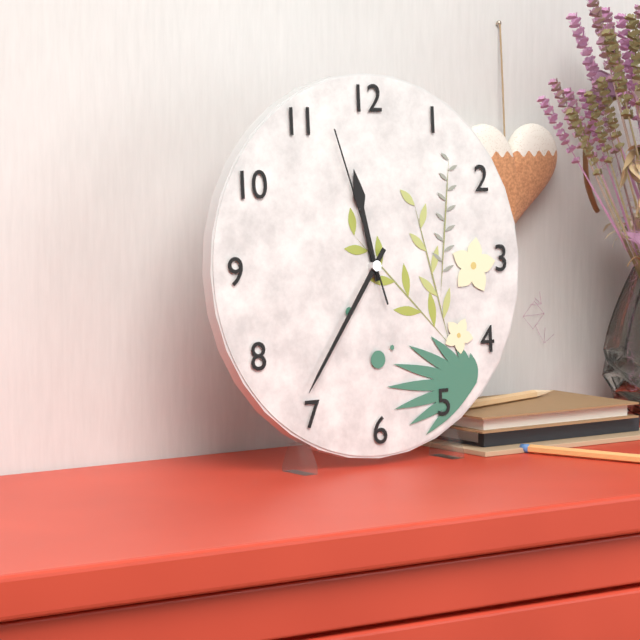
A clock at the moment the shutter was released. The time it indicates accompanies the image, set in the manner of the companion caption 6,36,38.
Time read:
11,36,57
